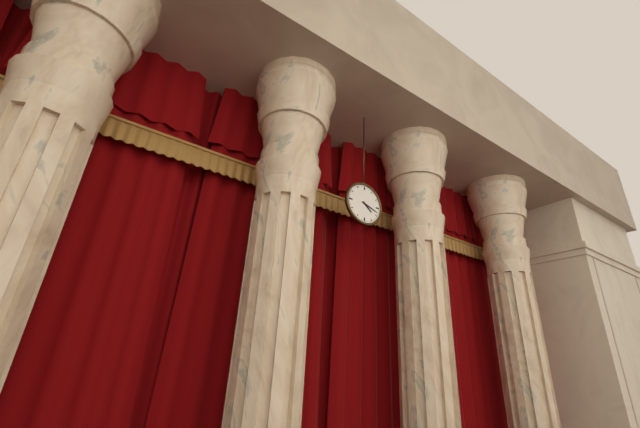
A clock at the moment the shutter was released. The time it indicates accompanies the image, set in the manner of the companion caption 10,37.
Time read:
4,18
